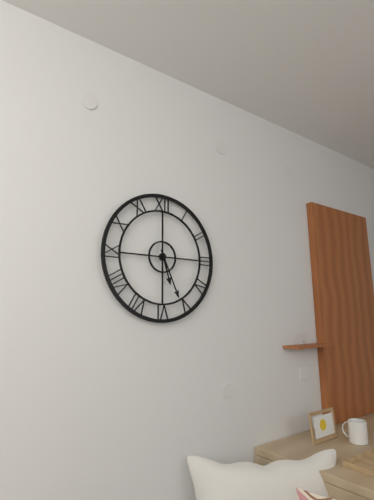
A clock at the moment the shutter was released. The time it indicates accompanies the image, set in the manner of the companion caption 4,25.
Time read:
5,26
